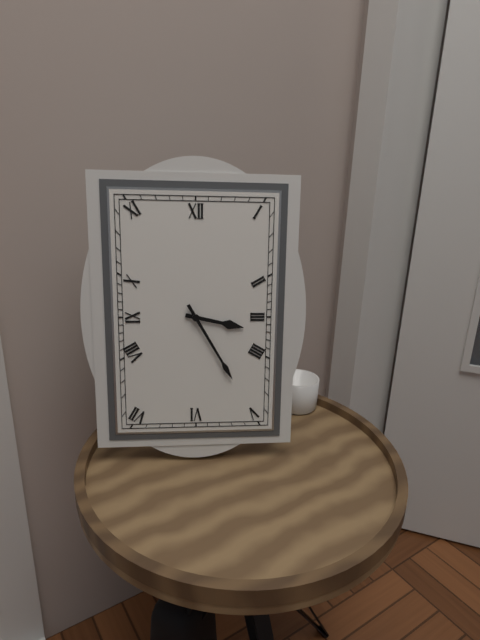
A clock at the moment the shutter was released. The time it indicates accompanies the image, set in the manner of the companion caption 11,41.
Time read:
3,25
